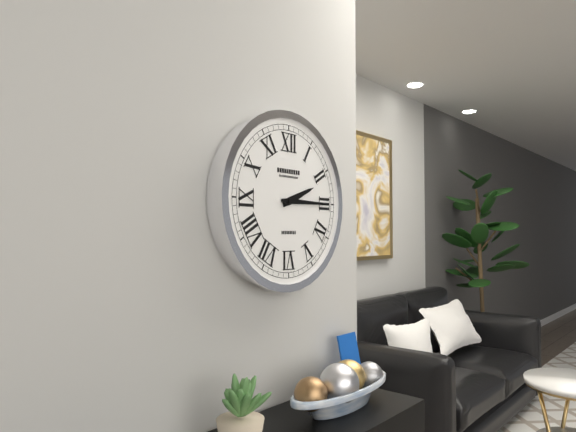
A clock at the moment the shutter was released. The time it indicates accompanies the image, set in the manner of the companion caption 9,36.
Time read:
2,15
